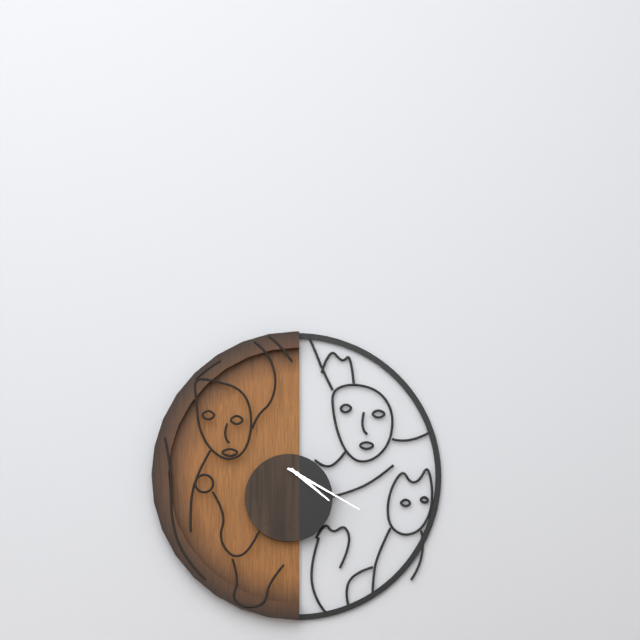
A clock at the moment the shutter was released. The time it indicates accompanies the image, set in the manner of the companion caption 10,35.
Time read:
4,20
